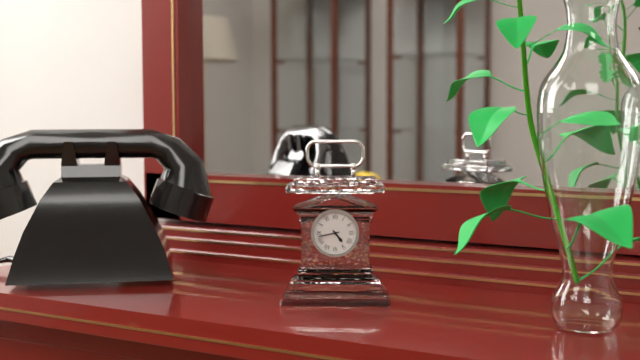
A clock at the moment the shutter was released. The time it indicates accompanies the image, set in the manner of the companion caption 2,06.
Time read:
4,43
